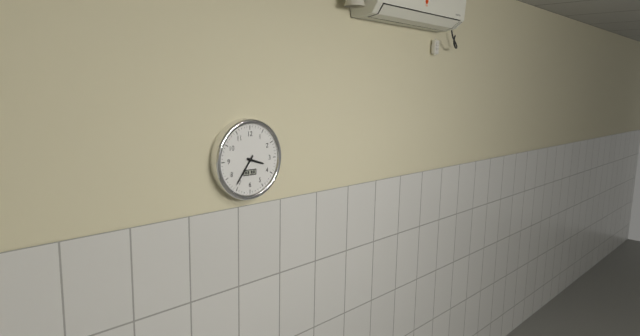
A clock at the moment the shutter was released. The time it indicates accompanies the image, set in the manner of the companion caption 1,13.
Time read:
3,36
